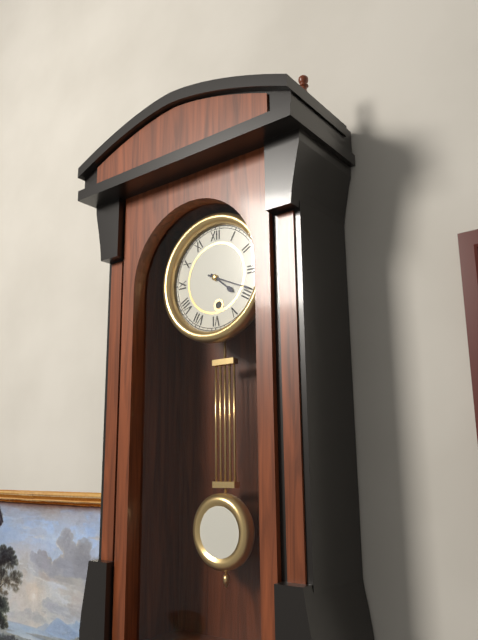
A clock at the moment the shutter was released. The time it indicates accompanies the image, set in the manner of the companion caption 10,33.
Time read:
4,19
